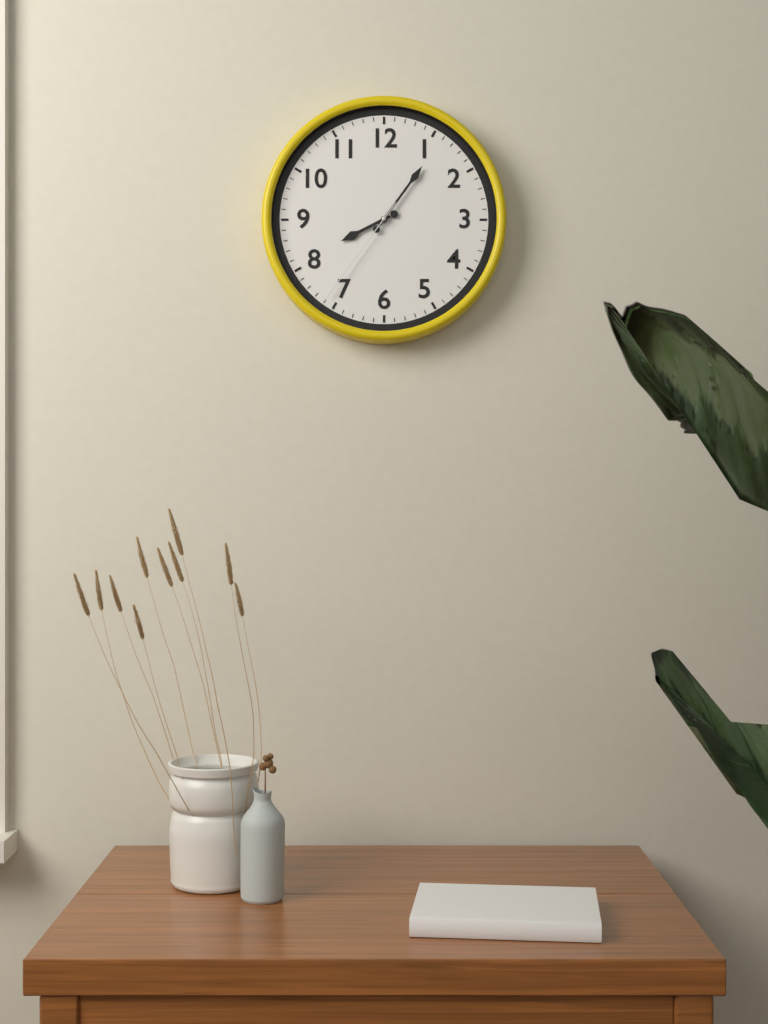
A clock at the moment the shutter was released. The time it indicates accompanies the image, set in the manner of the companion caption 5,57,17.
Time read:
8,06,36
